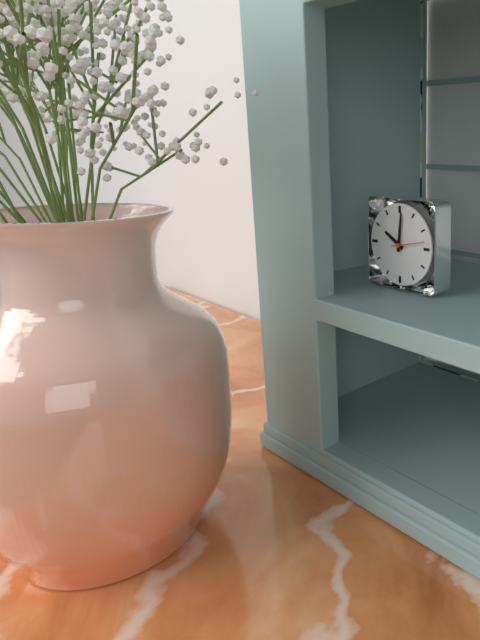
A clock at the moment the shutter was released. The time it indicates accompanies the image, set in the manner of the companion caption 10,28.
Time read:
10,01
